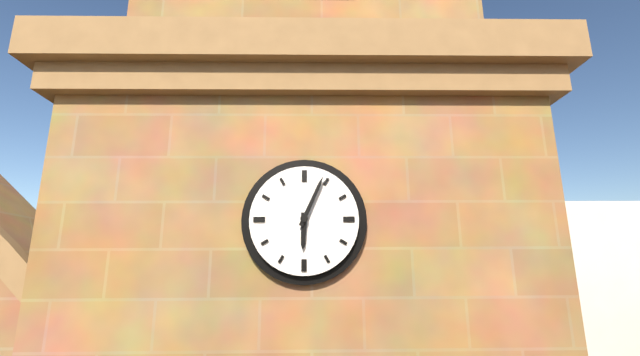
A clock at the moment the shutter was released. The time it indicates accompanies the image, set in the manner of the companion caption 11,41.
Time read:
6,04
